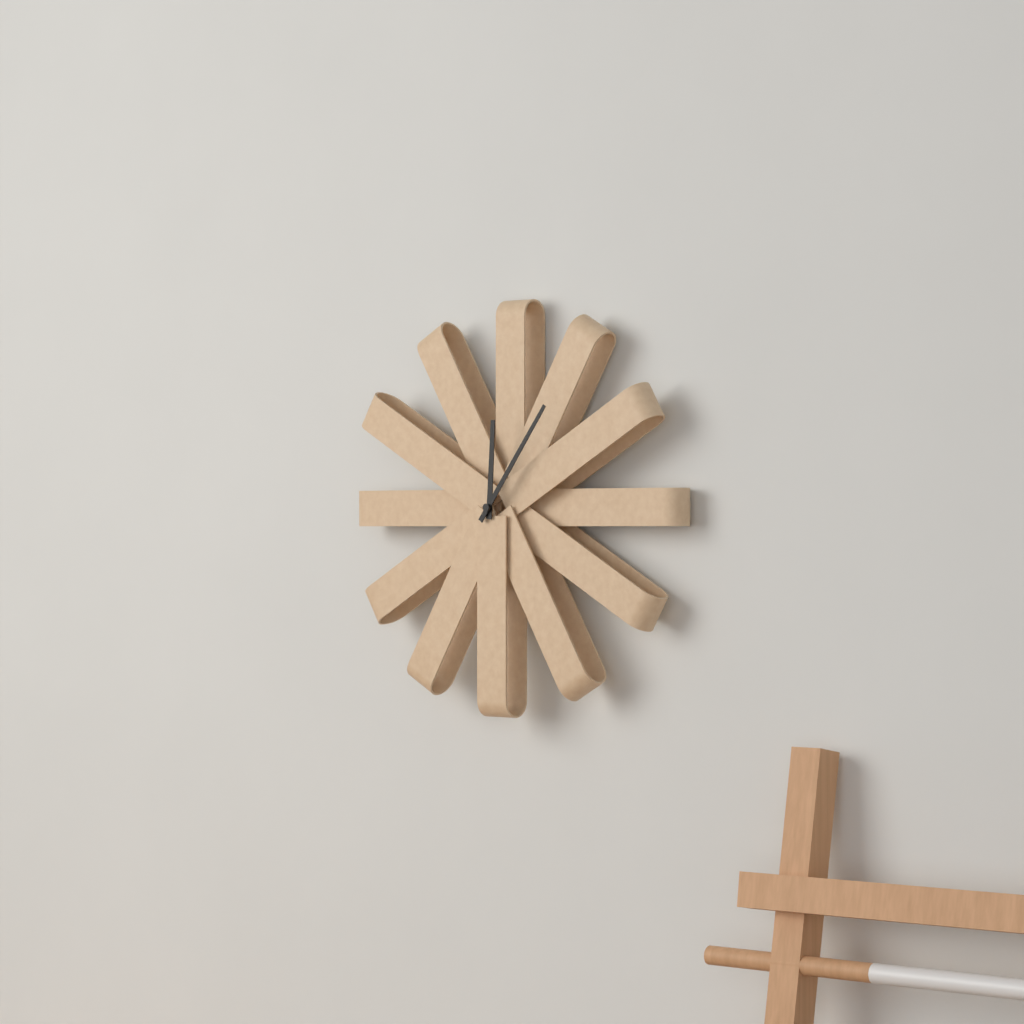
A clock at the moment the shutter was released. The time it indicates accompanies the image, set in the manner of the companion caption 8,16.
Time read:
12,06
